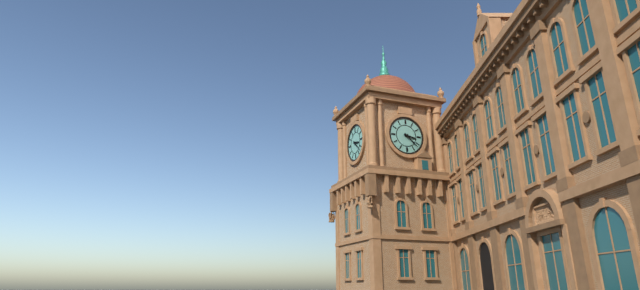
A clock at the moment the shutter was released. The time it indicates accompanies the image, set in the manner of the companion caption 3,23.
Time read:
3,22
